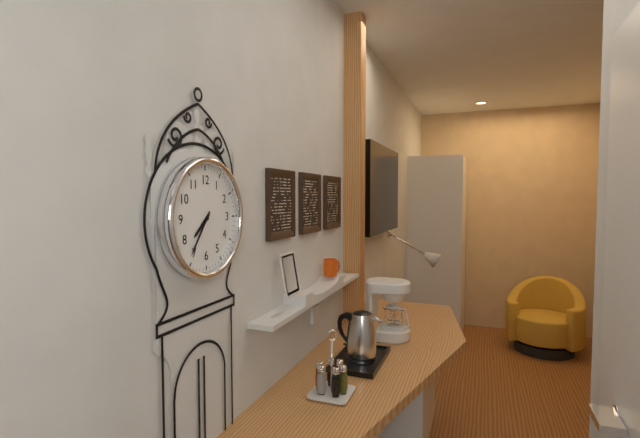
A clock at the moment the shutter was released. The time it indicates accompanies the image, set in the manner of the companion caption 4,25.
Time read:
7,36
